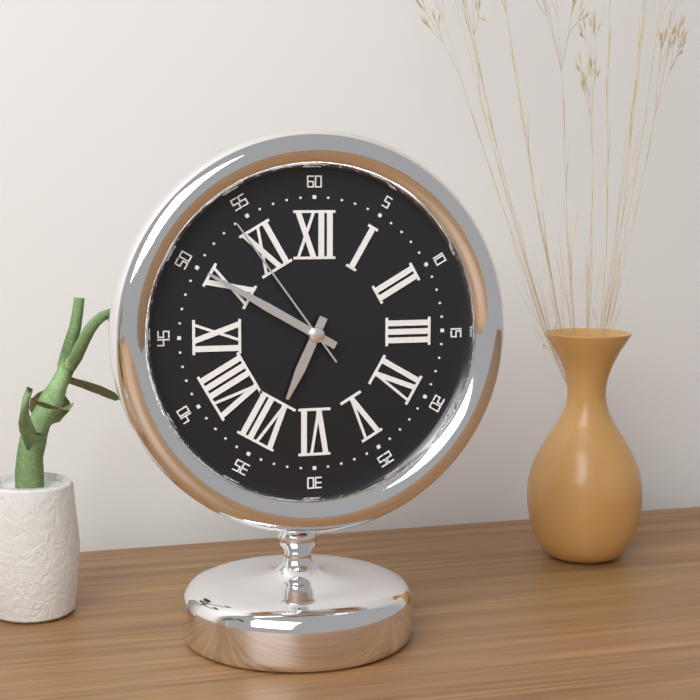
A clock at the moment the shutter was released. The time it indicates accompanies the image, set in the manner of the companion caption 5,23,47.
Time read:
6,50,54
